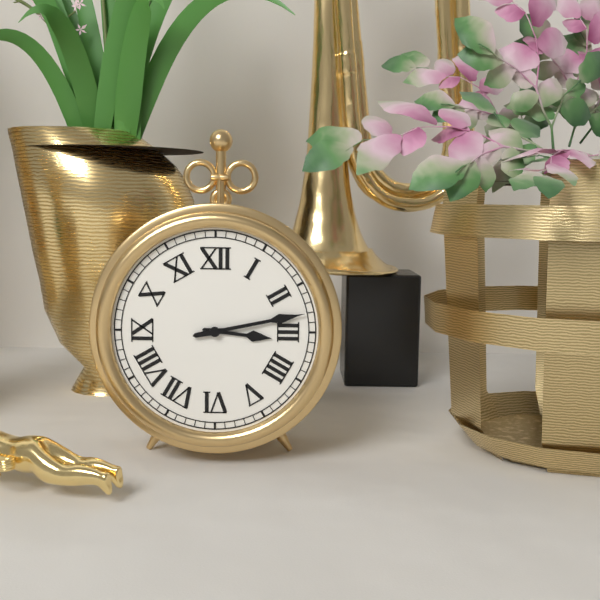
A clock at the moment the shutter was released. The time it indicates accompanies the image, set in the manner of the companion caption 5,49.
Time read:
3,13
